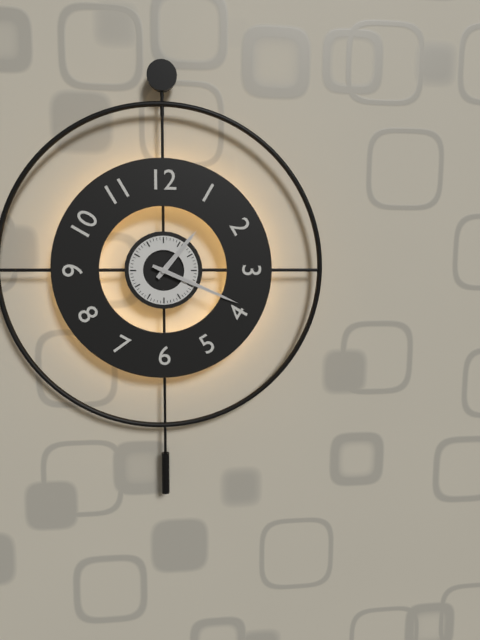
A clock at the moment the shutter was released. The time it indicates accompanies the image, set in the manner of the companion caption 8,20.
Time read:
1,19
